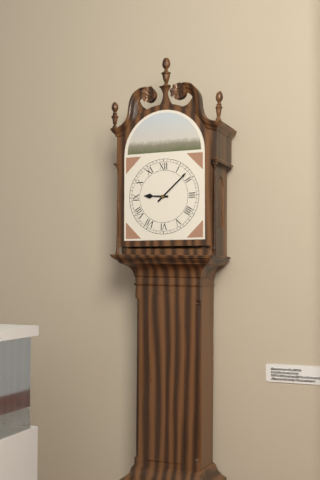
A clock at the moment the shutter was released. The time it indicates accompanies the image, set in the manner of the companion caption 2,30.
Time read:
9,08
